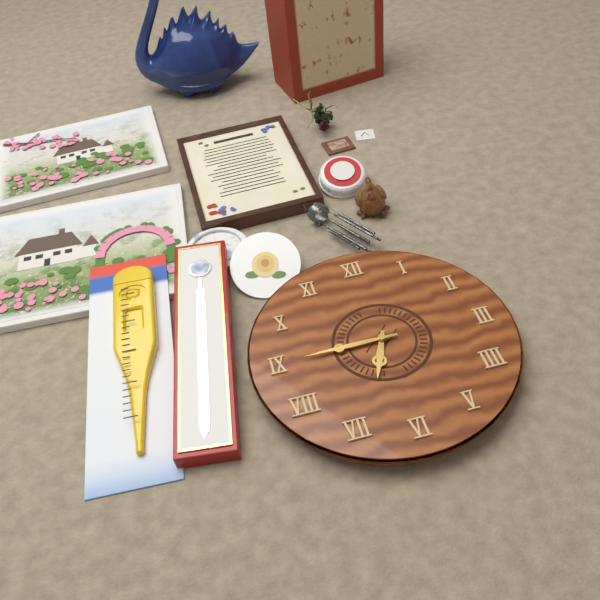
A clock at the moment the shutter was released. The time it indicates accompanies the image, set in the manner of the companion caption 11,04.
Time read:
6,45
